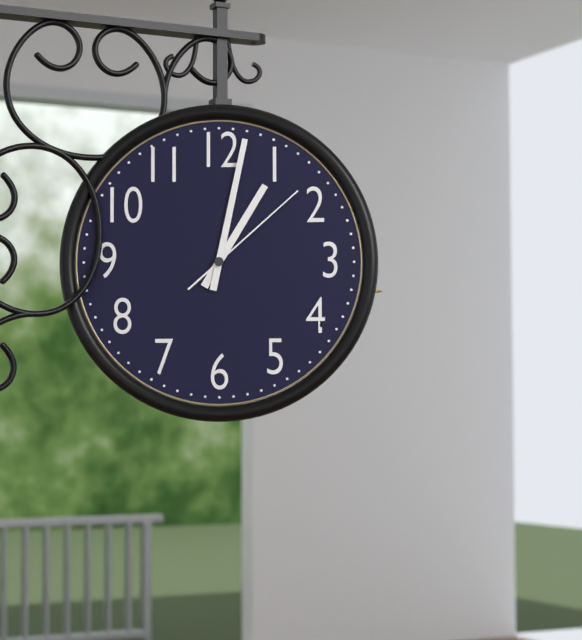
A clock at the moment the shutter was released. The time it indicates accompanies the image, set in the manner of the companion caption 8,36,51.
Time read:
1,02,08
